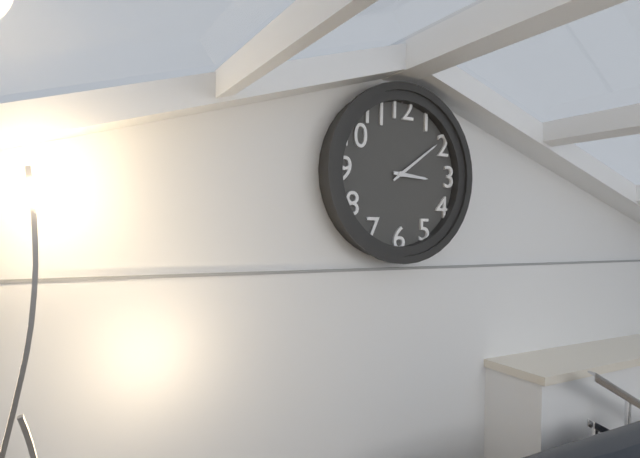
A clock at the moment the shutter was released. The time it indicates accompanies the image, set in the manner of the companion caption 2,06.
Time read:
3,09
